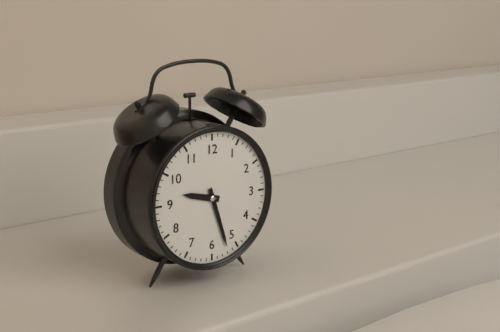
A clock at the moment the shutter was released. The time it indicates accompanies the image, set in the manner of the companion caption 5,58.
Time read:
9,27
